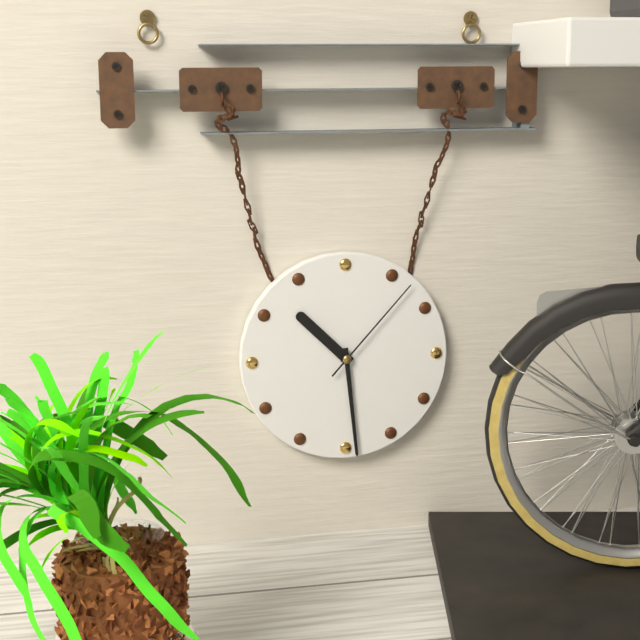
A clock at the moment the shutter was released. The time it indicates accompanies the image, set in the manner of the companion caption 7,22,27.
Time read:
10,29,07
